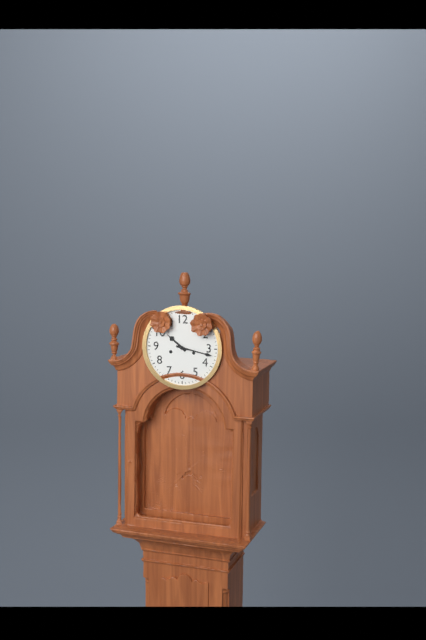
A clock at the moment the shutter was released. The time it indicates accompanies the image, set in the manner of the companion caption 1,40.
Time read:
10,17
